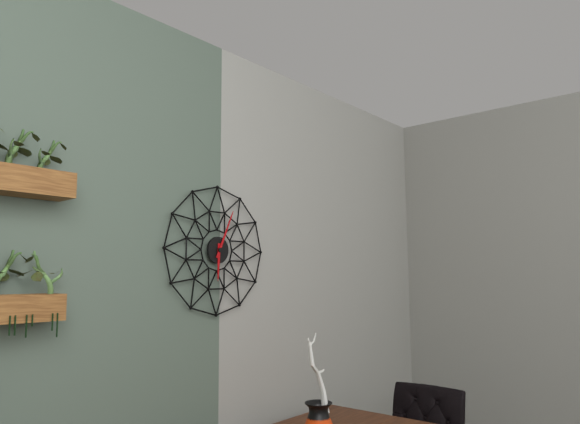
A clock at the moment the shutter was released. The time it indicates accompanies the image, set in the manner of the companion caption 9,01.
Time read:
6,04
